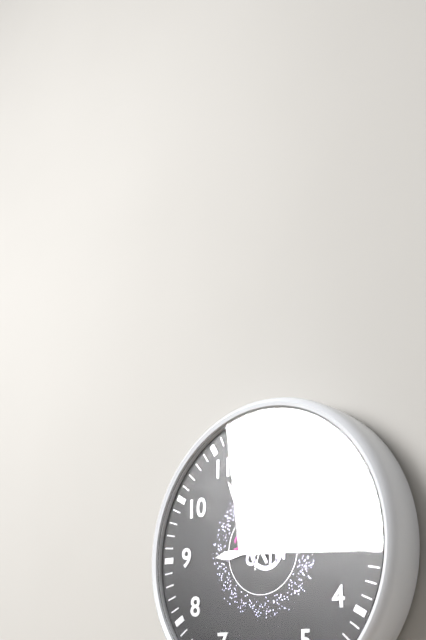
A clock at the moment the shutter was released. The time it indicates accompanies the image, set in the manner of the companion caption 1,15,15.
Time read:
8,55,03
